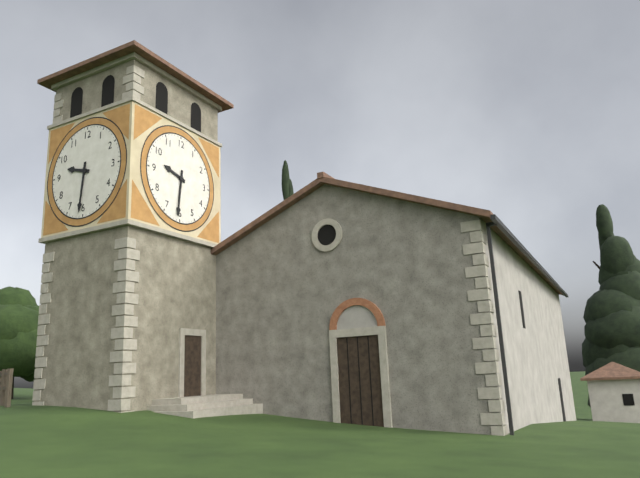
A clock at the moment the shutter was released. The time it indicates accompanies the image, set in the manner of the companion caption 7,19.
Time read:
9,31
